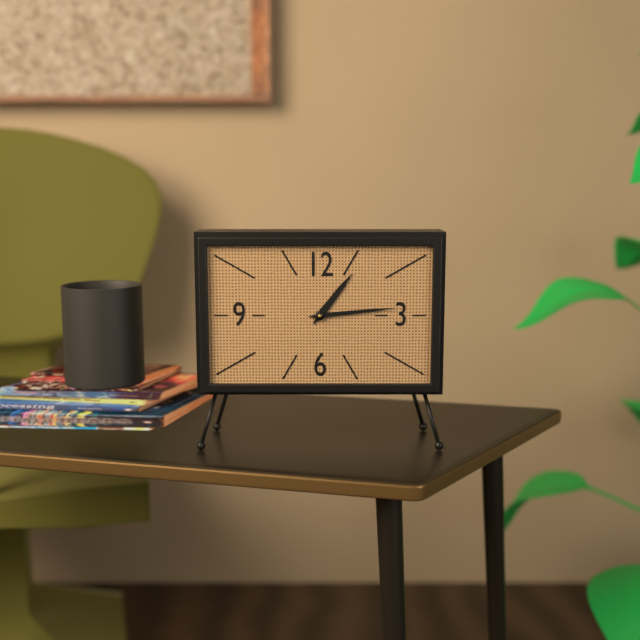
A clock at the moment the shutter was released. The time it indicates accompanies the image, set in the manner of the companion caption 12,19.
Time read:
1,14
